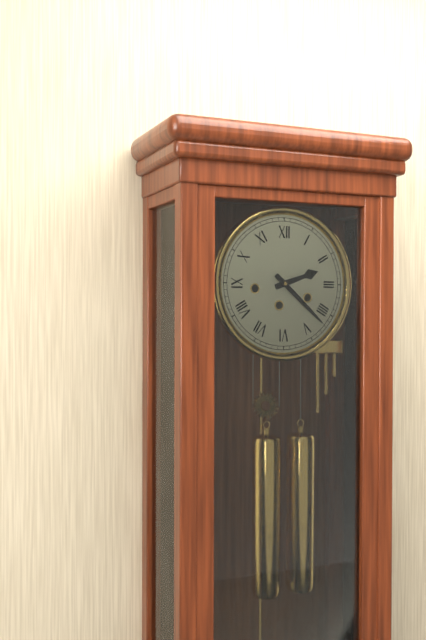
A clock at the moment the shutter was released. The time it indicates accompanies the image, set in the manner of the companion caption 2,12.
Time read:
2,22
